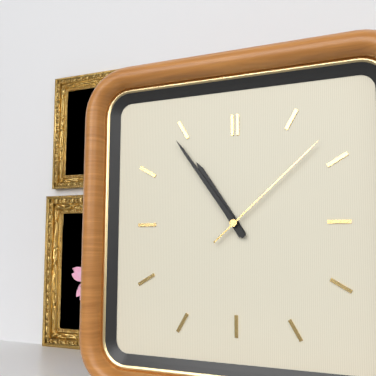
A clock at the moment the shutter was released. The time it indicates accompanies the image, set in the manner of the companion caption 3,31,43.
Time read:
10,54,08
